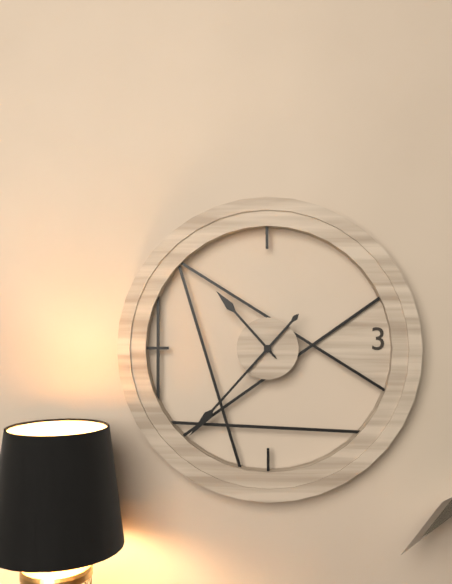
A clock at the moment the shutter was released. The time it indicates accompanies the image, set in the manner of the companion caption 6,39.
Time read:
10,37
